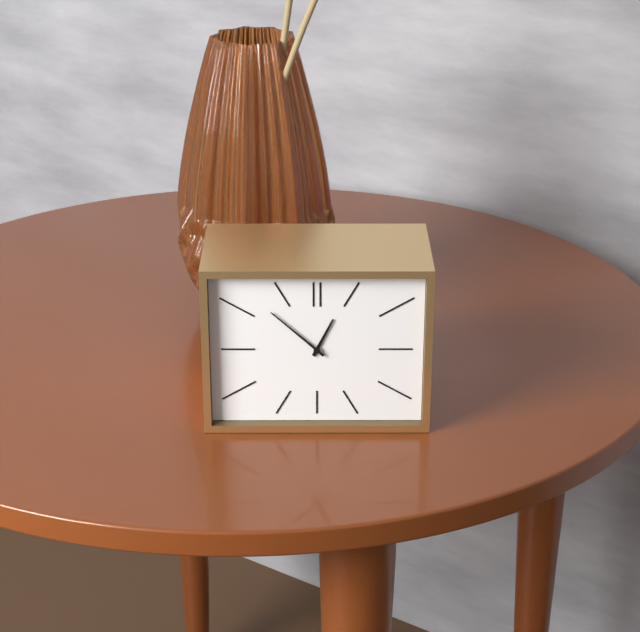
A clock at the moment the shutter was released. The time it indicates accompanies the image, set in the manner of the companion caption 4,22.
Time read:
12,52
